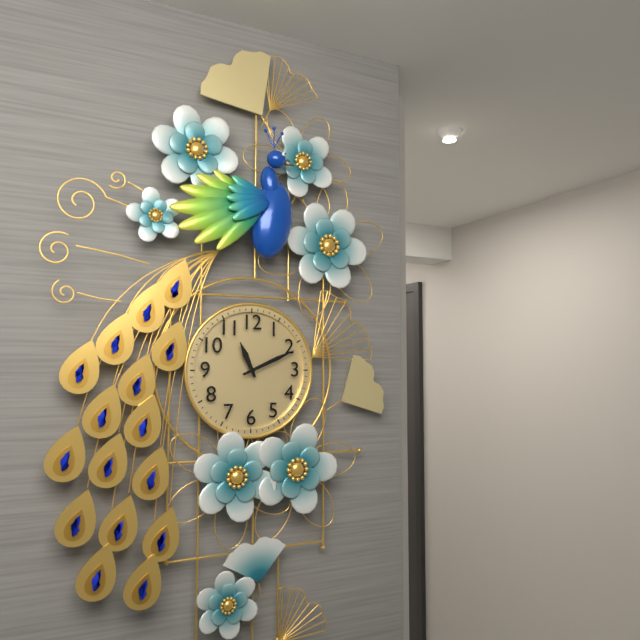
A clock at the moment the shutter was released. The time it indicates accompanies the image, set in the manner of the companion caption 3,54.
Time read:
11,11
